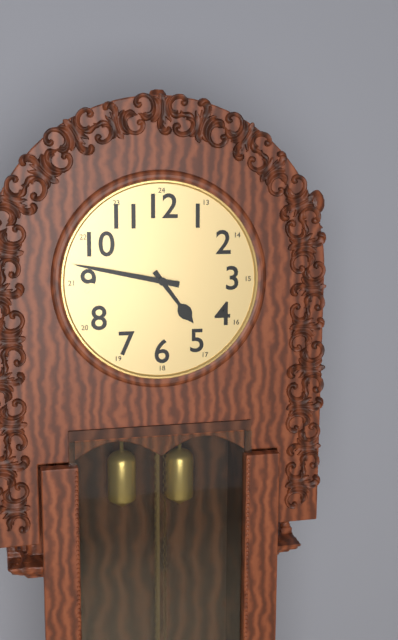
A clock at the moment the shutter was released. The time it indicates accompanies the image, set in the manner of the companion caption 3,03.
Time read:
4,47
